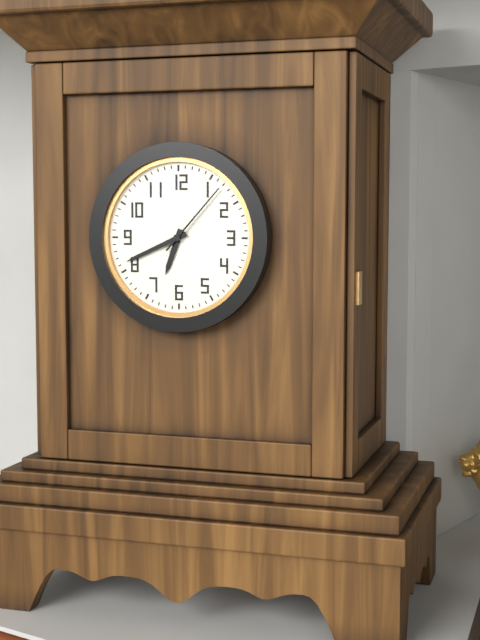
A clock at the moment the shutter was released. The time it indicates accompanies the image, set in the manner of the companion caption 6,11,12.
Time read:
6,41,07
